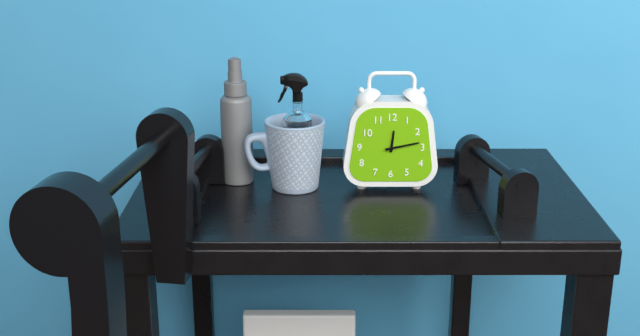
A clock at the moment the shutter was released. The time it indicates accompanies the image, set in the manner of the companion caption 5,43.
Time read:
12,13
